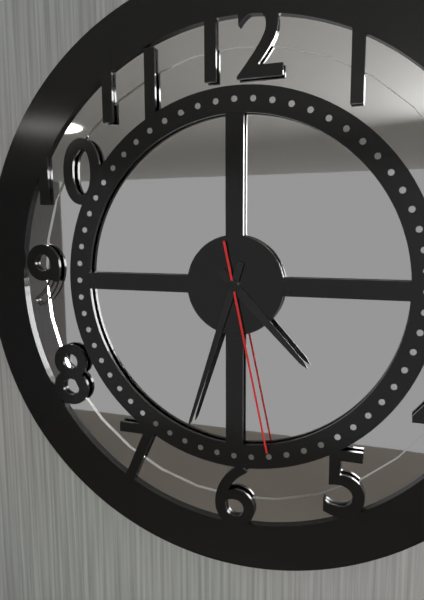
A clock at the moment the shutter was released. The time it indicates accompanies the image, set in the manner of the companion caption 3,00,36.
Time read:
4,33,28
